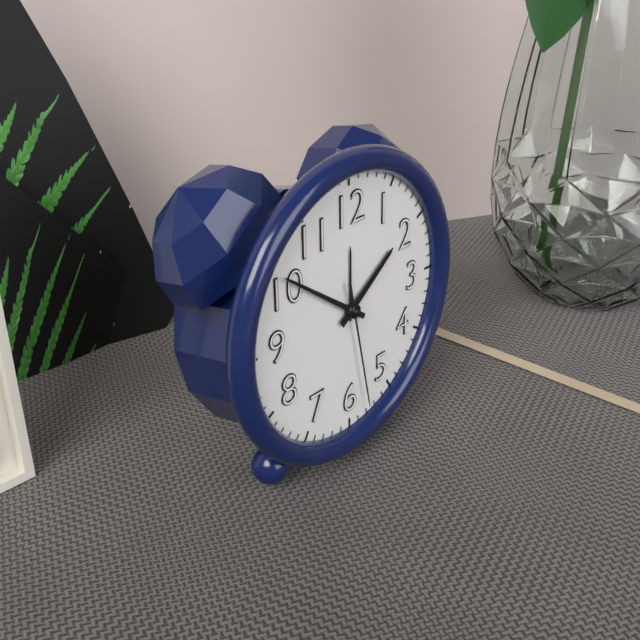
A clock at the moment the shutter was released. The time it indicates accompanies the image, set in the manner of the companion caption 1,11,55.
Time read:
1,51,28
